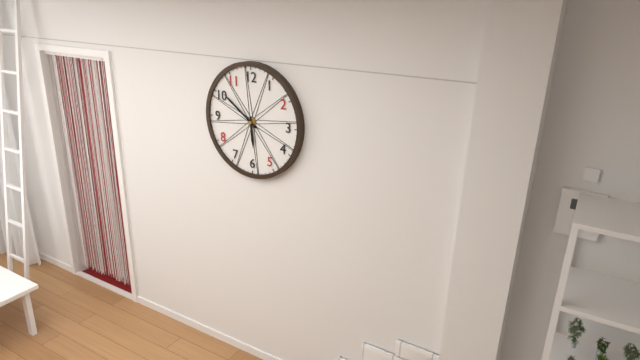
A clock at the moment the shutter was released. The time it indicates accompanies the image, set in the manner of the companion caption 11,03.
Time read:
5,51
